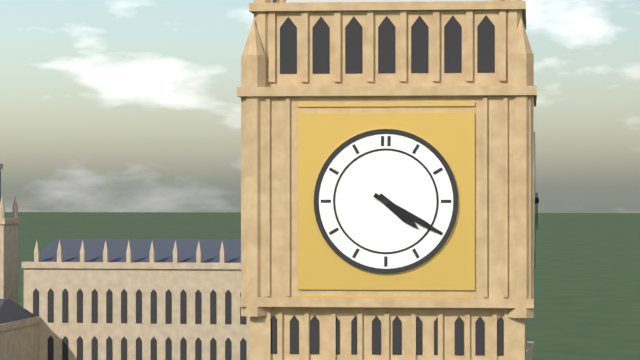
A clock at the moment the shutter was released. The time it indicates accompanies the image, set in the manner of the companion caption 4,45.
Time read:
4,20
